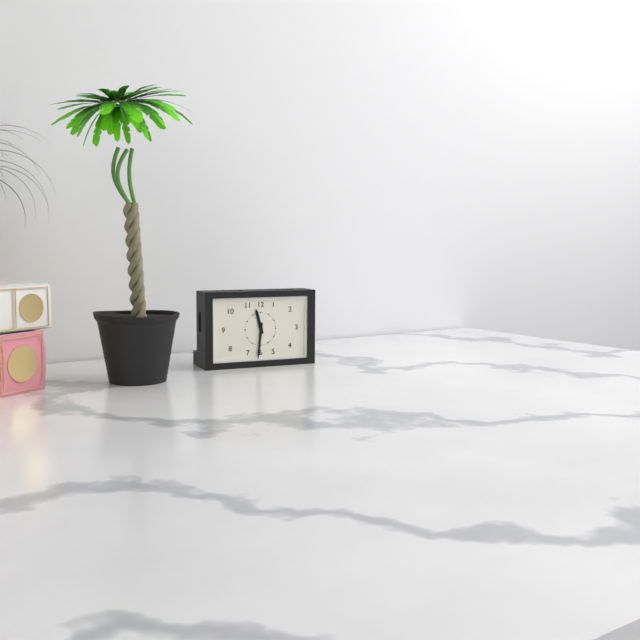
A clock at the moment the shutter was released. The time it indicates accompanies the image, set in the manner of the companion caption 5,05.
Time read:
11,31
